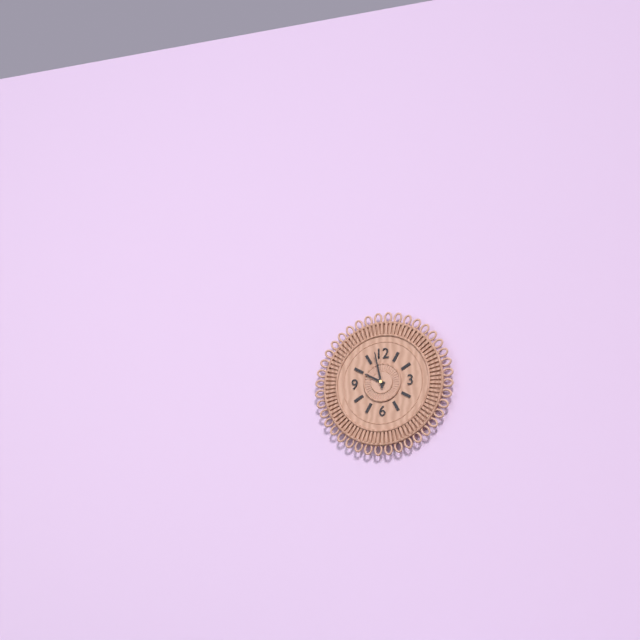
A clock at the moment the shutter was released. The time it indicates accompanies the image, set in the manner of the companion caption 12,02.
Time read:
9,58
